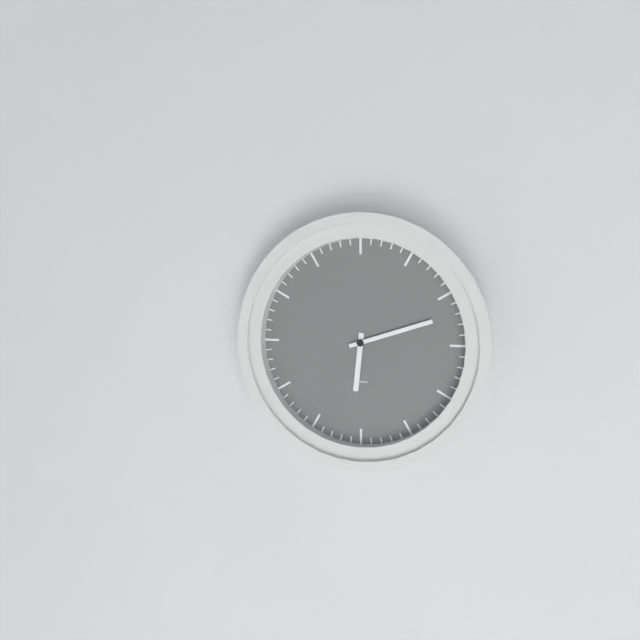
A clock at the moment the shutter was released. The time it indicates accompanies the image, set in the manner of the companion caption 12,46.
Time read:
6,12
